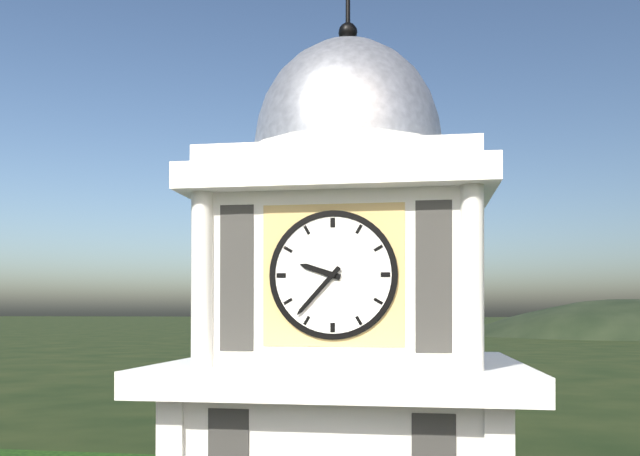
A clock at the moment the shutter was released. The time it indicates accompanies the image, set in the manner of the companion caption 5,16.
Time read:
9,37
